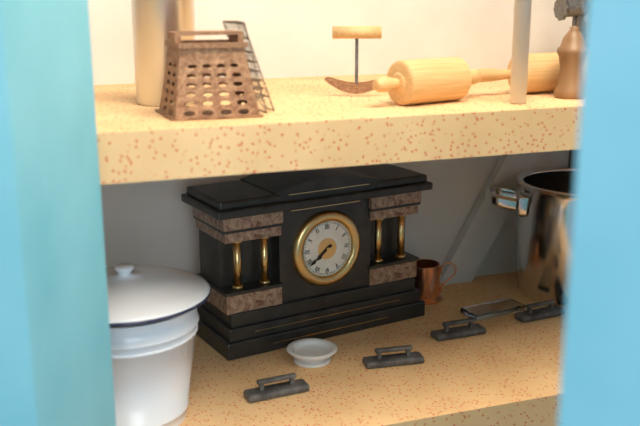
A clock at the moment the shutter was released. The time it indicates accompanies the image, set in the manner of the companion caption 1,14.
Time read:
7,39
